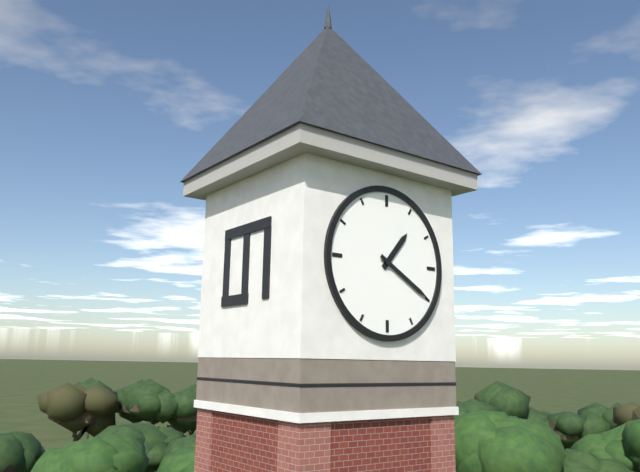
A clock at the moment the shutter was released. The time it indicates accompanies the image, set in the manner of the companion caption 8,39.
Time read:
1,20
